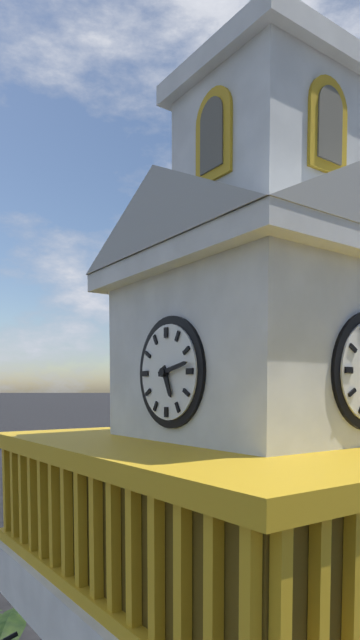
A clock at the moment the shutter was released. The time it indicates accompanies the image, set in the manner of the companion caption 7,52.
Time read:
5,13
